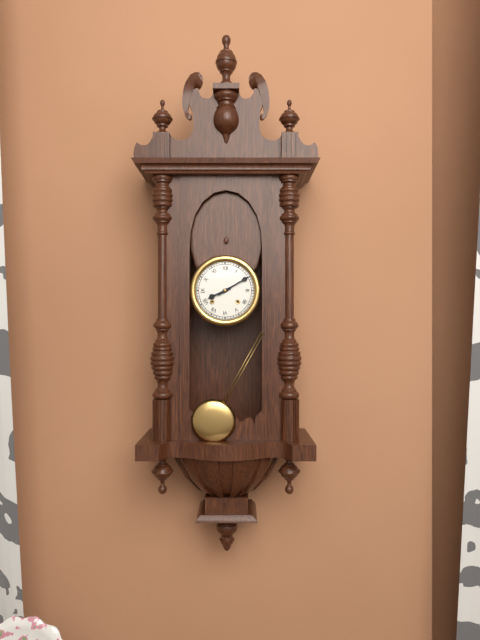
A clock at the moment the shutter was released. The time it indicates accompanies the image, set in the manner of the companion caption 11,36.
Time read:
8,10
